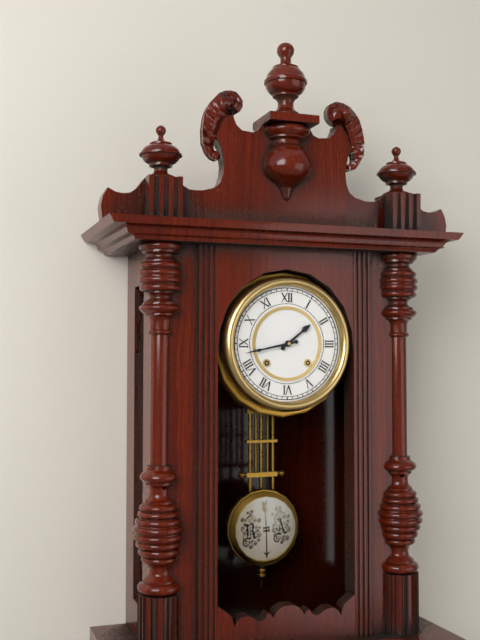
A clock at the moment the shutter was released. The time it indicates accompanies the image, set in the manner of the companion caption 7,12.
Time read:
1,43
